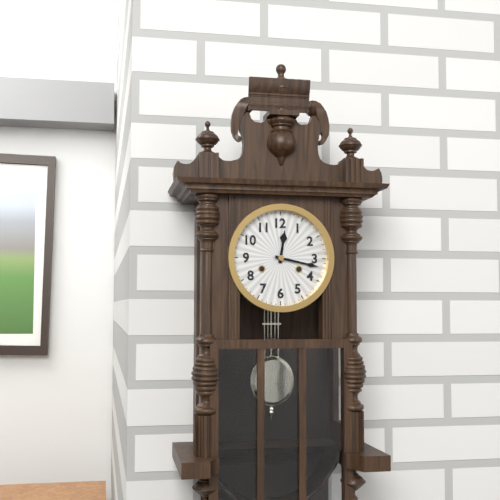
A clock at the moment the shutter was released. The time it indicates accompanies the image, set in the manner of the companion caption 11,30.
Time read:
12,17
